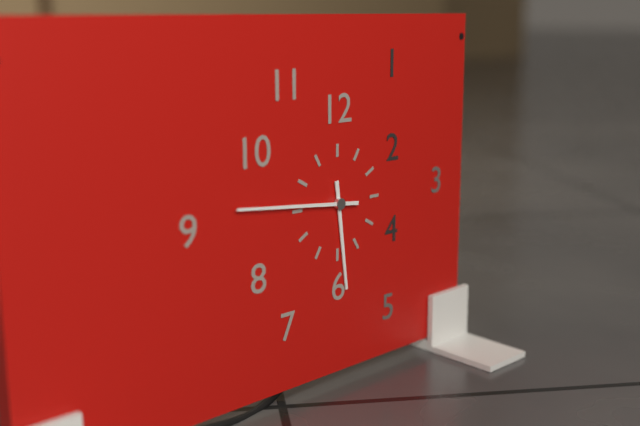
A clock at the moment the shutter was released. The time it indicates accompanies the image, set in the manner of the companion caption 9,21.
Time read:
5,46
